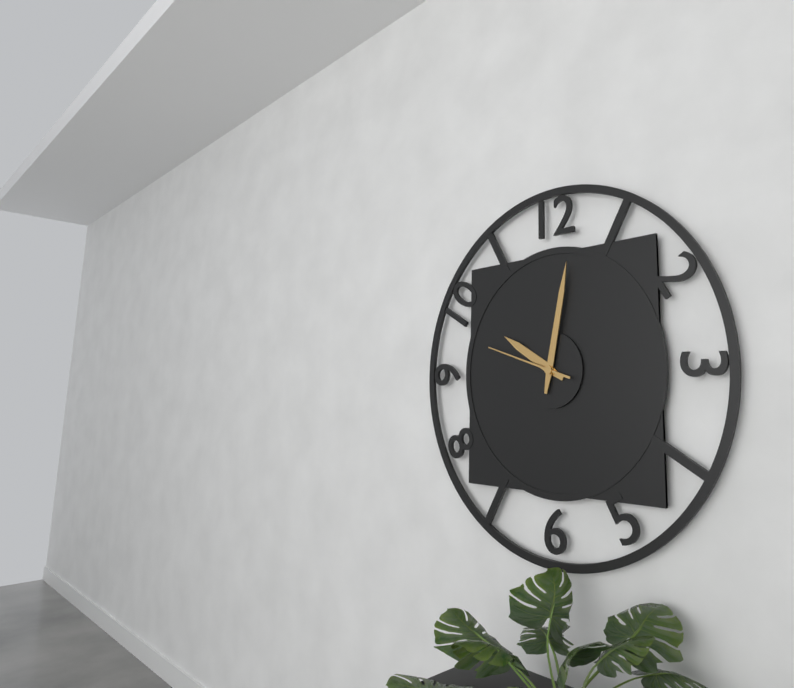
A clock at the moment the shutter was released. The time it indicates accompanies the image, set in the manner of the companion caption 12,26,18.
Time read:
10,02,48
